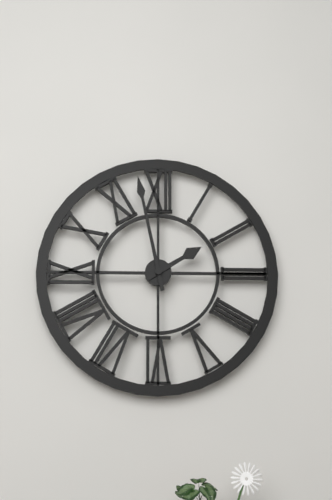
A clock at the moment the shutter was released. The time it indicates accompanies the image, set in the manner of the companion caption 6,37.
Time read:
1,58
